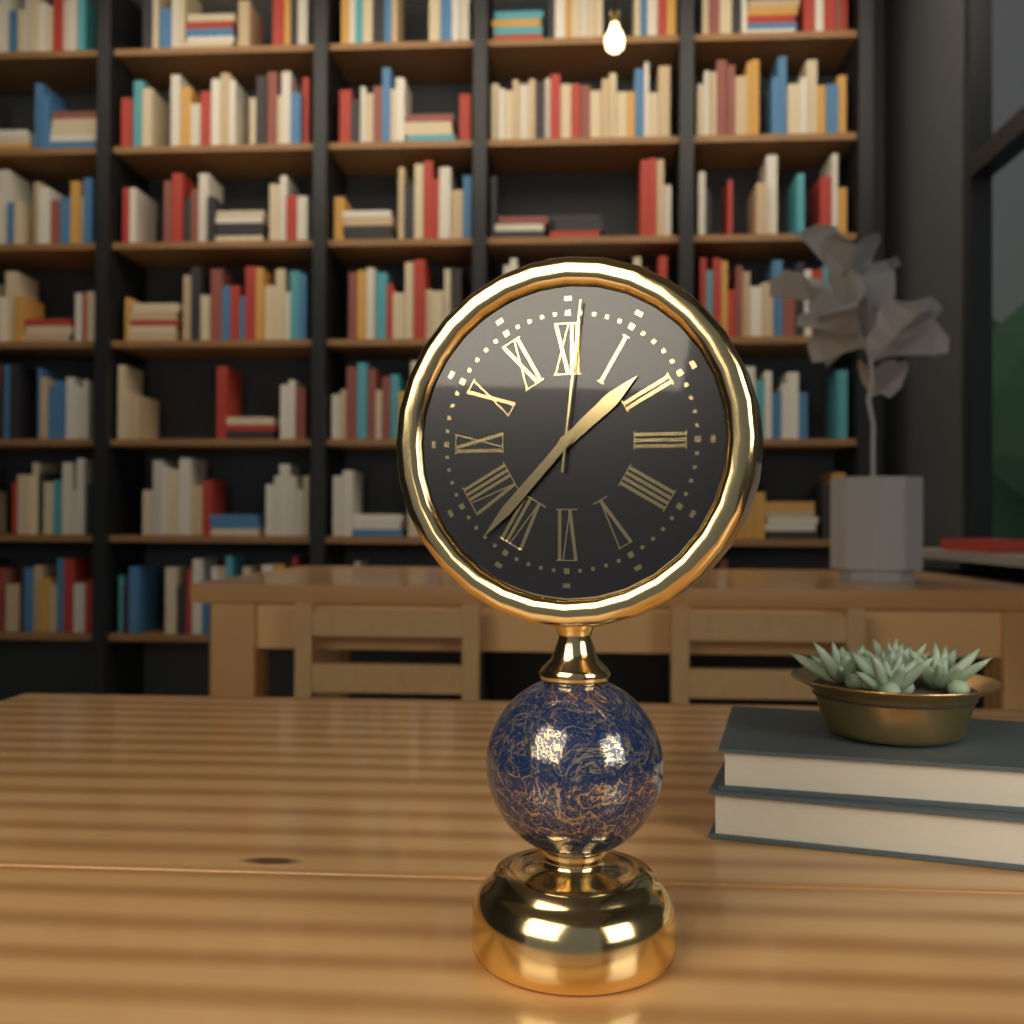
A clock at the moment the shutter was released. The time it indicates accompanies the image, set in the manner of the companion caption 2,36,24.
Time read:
1,37,01
